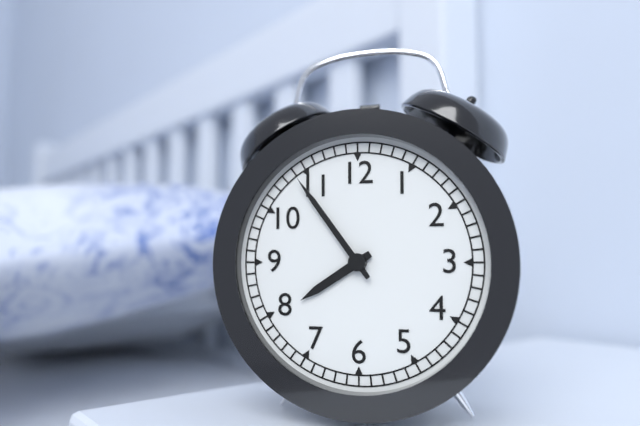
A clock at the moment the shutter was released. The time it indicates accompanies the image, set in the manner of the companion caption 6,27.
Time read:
7,54
